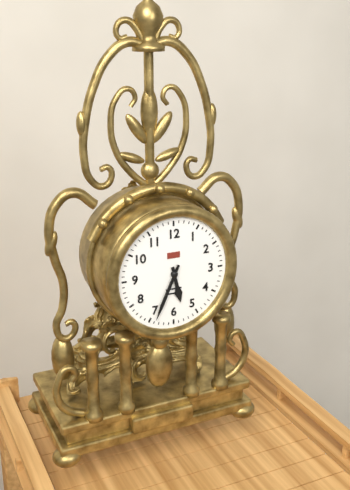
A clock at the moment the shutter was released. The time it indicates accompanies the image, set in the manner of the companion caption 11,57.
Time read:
5,34
